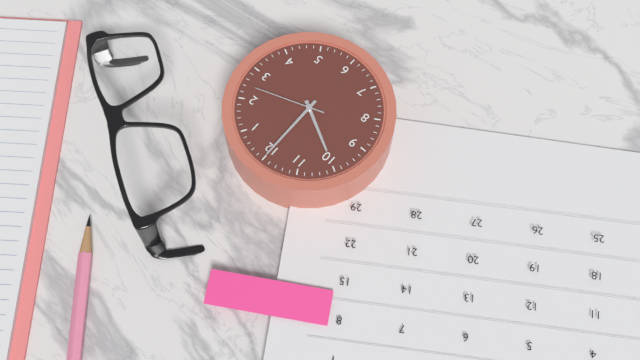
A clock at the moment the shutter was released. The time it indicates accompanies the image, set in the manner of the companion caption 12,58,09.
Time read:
10,00,12
